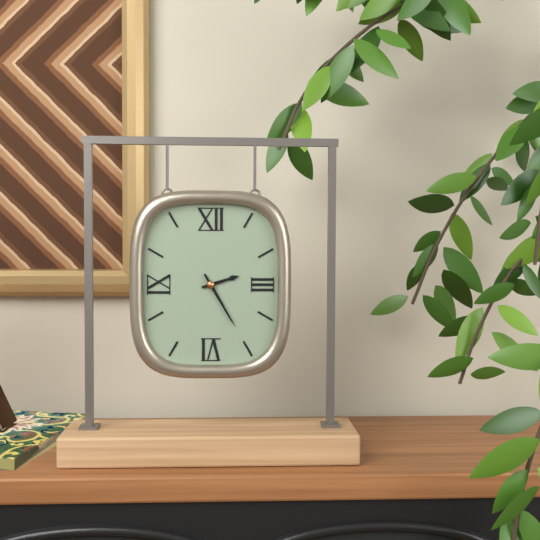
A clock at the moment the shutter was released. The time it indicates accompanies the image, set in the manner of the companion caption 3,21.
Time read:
2,25
